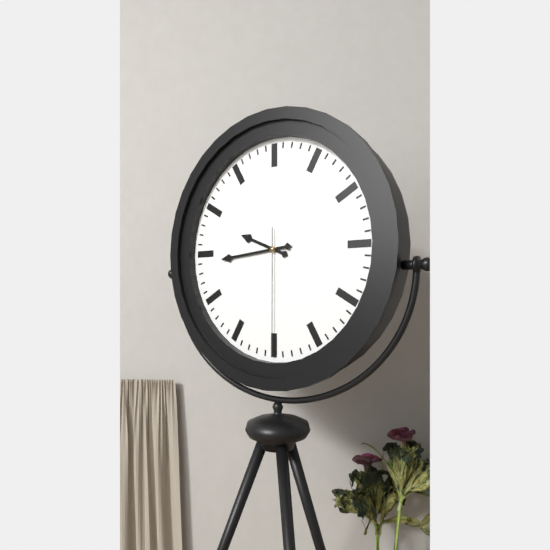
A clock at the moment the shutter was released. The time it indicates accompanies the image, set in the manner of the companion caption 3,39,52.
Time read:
9,44,30
